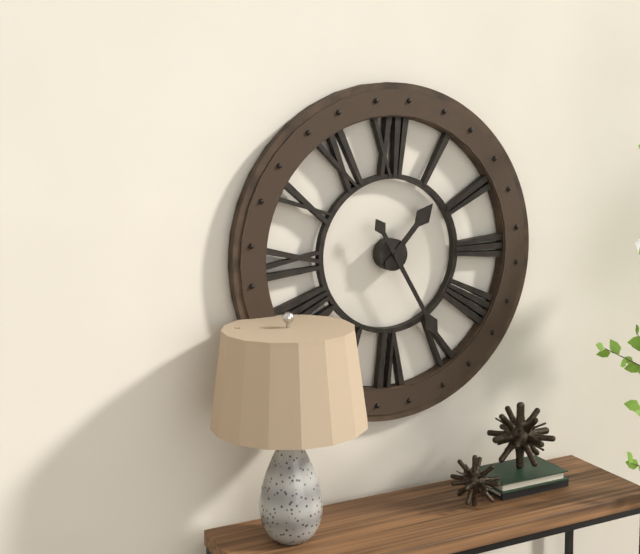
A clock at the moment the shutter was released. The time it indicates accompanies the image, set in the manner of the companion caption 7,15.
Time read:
1,25
